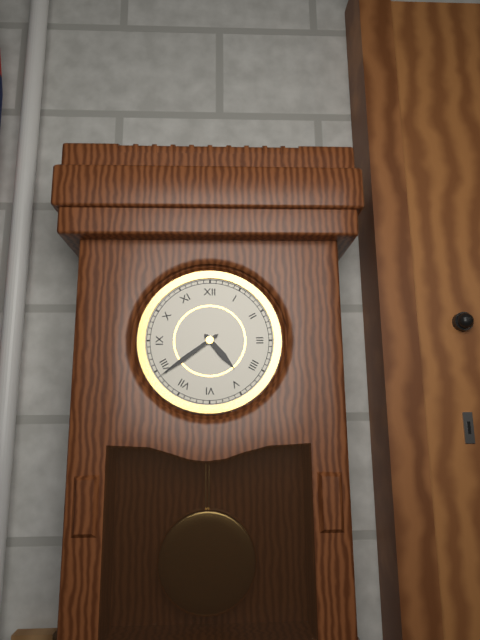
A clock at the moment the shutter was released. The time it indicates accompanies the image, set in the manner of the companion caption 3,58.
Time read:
4,39
